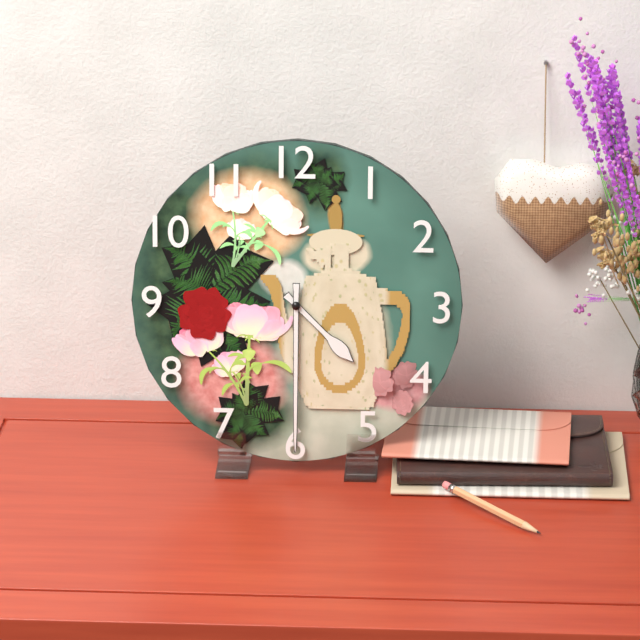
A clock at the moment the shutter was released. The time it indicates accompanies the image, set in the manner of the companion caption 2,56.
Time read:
4,30
